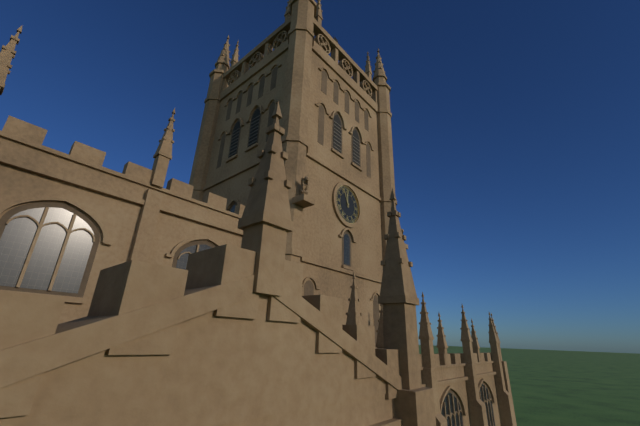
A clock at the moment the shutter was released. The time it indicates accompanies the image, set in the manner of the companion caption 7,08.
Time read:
11,56
